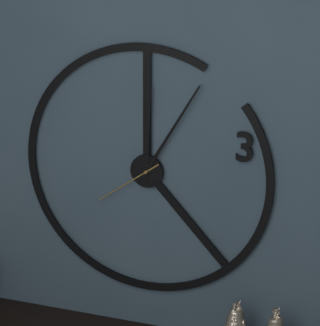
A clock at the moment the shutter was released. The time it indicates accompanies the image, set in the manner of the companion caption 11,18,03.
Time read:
12,05,39
